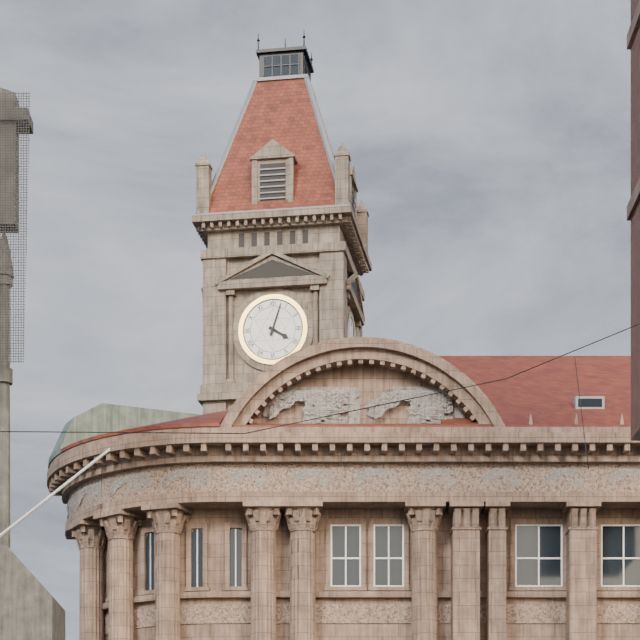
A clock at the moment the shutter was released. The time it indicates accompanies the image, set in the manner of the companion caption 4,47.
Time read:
4,03
